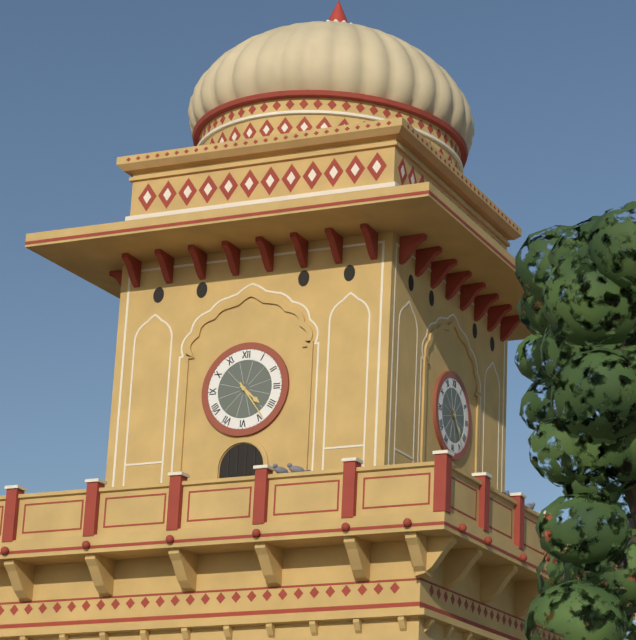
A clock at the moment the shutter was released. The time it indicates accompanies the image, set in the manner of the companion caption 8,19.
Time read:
4,24
